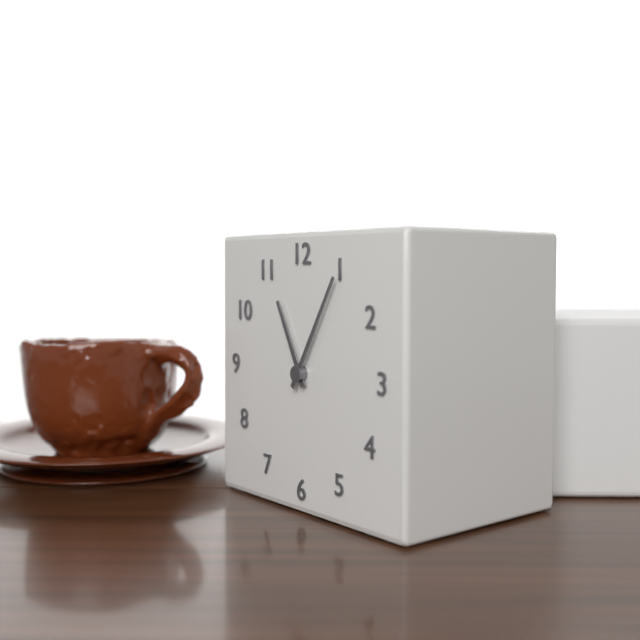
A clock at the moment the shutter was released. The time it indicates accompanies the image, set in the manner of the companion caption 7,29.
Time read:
11,05
